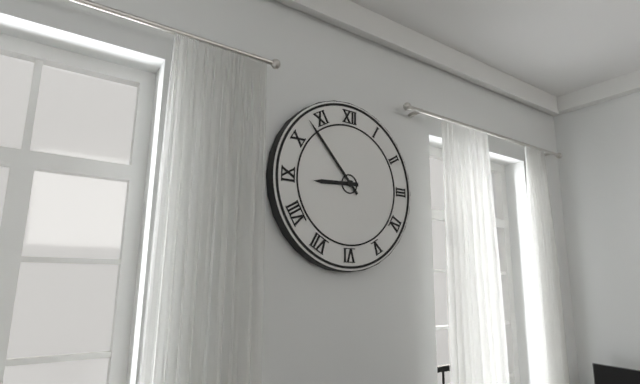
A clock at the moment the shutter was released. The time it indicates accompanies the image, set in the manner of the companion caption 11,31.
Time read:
8,53
